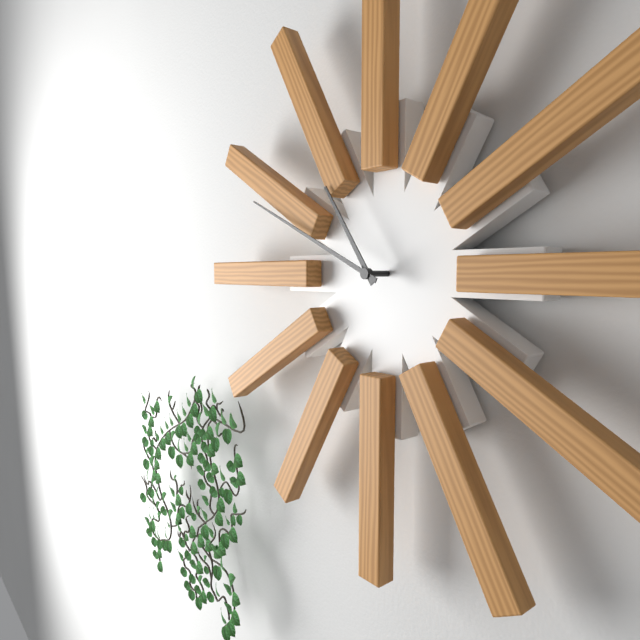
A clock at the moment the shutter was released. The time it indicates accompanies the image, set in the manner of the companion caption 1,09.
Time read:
10,49
